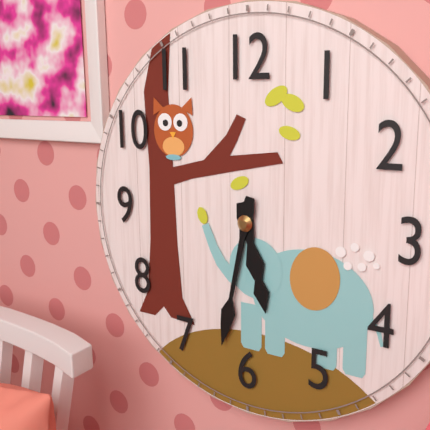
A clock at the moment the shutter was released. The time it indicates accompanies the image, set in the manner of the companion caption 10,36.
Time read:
5,32
